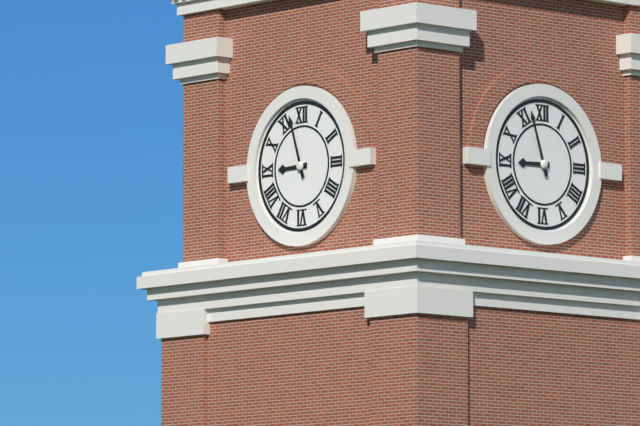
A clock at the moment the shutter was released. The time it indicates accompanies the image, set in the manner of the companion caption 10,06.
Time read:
8,57
